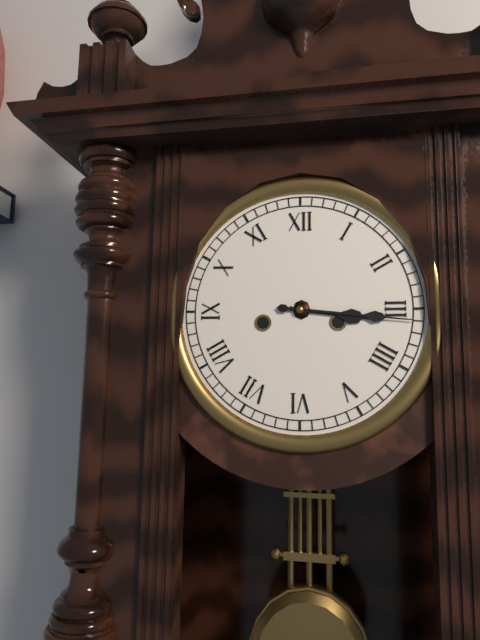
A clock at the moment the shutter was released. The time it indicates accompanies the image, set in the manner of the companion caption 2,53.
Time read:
3,16
